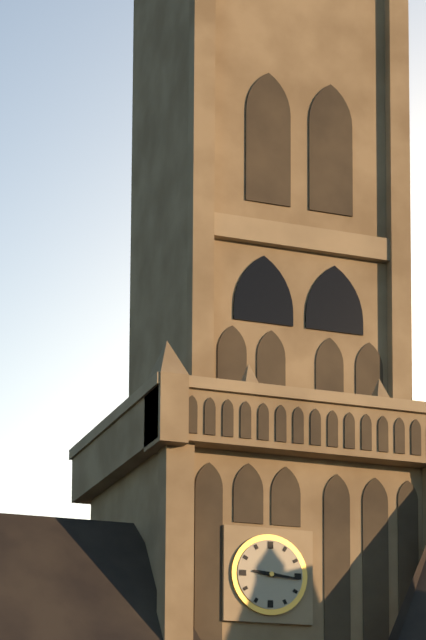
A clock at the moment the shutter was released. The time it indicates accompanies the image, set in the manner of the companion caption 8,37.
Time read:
9,16
